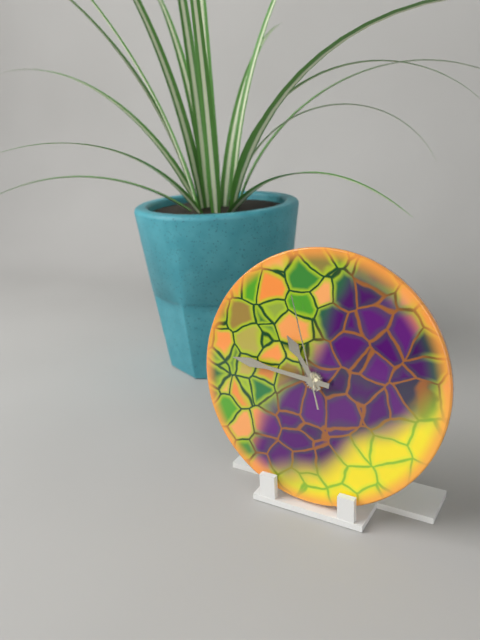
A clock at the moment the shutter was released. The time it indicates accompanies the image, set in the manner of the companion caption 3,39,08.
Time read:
10,46,57
